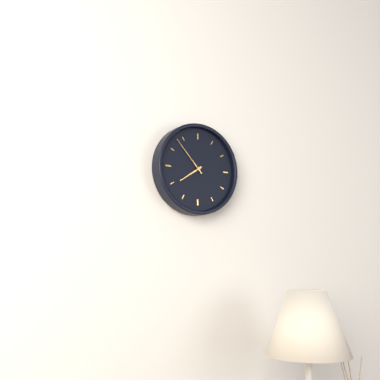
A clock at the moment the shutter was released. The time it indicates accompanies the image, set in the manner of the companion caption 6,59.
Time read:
7,53
